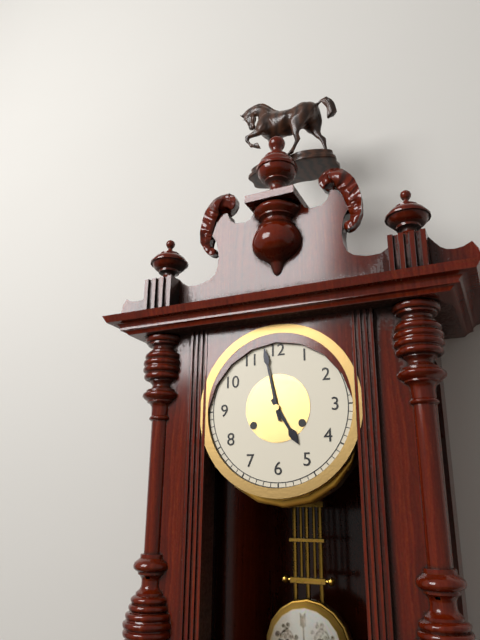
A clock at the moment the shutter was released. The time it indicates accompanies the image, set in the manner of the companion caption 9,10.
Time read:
4,58
